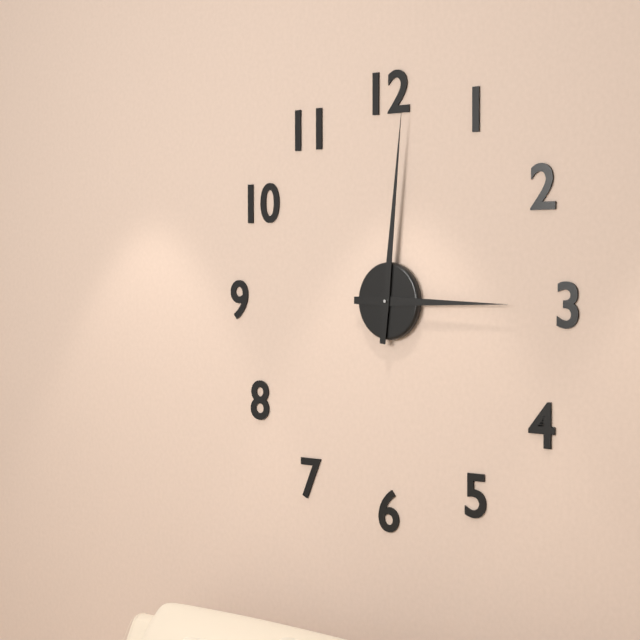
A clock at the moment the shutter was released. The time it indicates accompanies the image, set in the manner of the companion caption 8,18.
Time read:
3,01
